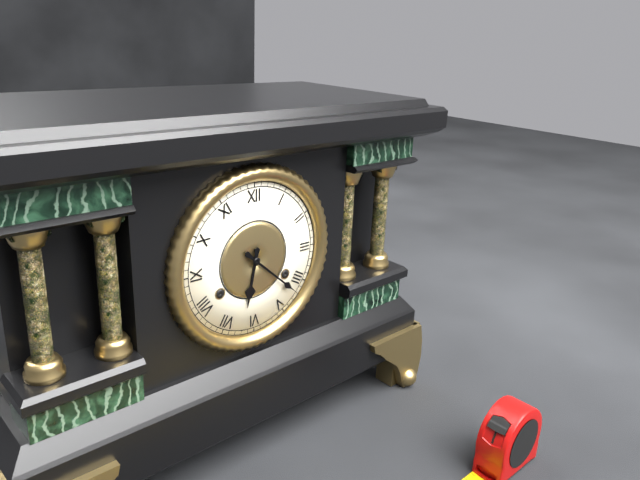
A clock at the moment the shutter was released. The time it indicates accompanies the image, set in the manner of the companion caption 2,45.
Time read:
6,22
